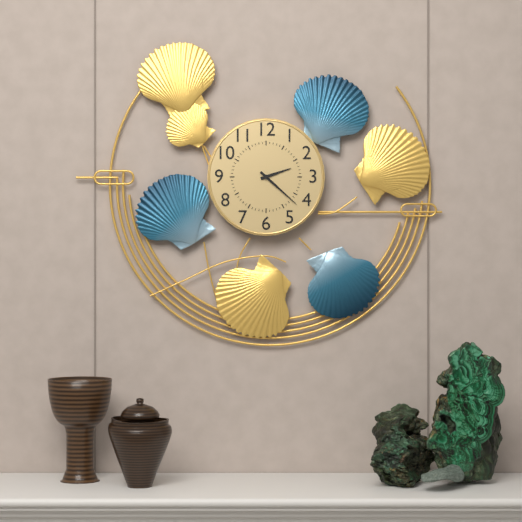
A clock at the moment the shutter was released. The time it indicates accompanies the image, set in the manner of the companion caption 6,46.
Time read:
2,22
